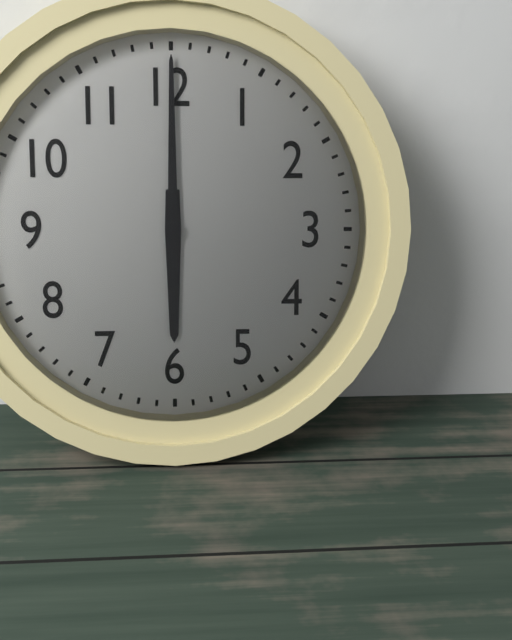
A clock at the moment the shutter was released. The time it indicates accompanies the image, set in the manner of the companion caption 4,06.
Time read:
6,00
